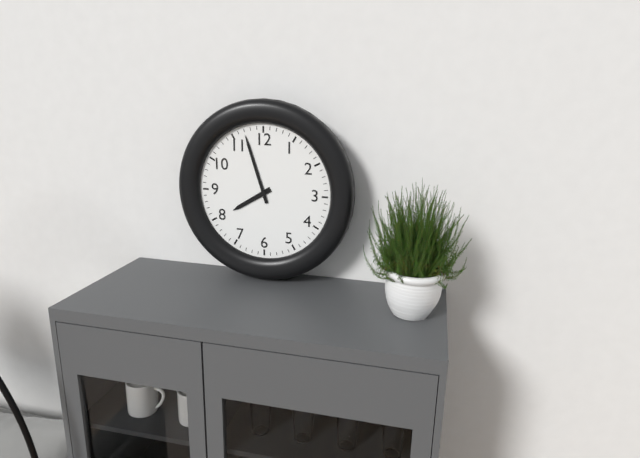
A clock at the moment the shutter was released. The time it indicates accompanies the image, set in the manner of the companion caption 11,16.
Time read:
7,57
